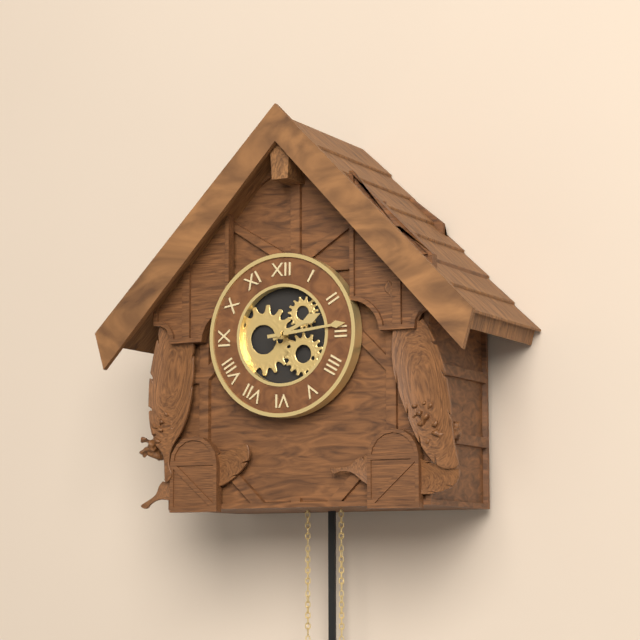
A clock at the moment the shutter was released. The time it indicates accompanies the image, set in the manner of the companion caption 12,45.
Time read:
2,14
